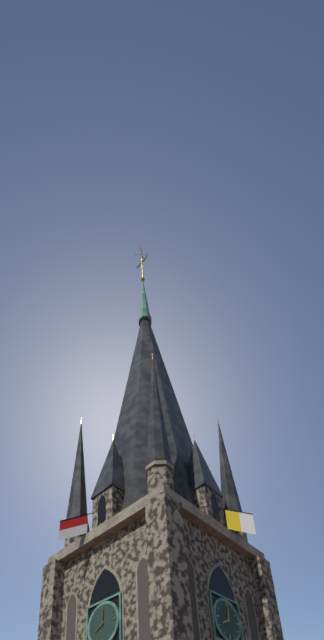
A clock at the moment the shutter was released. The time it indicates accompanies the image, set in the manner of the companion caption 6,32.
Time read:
8,01
